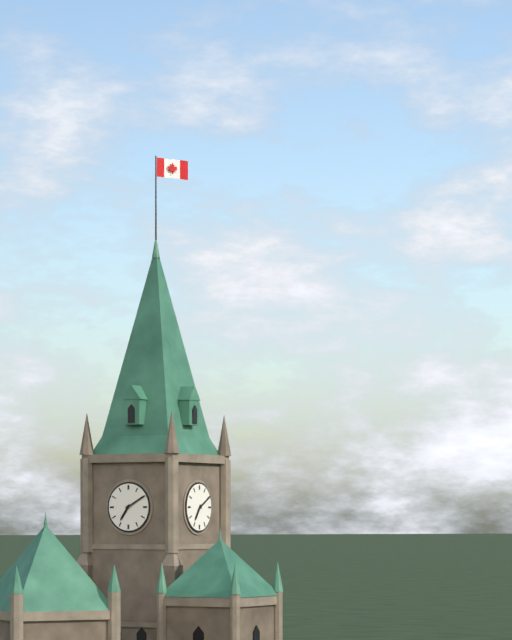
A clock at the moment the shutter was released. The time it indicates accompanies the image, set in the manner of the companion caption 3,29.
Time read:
7,10
